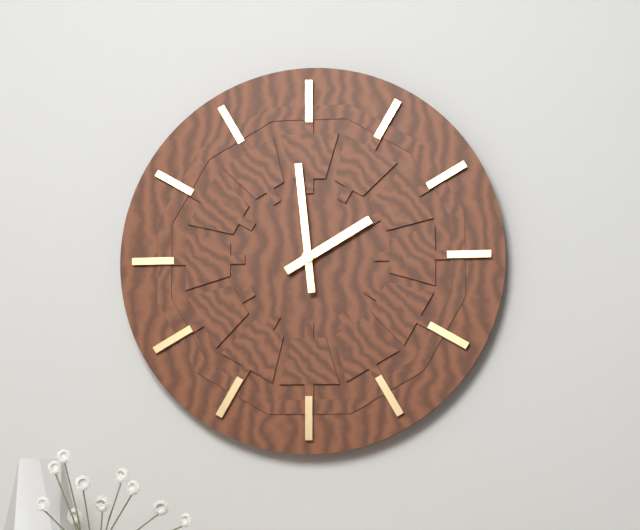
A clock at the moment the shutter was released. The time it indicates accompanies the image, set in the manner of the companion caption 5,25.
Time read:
1,59
